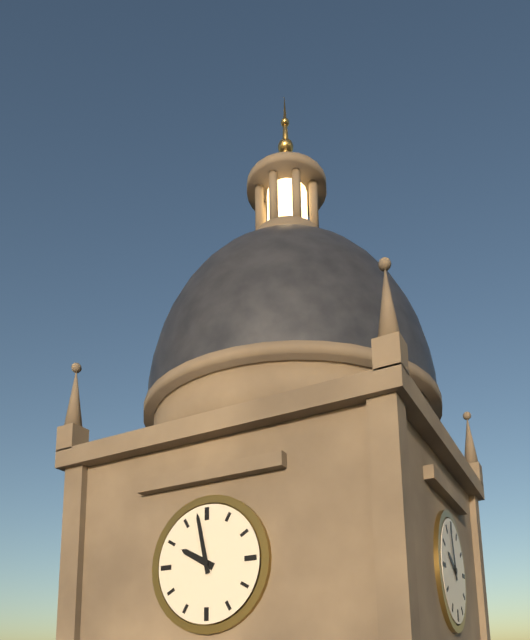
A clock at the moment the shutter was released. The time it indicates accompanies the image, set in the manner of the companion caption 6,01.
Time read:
9,58
